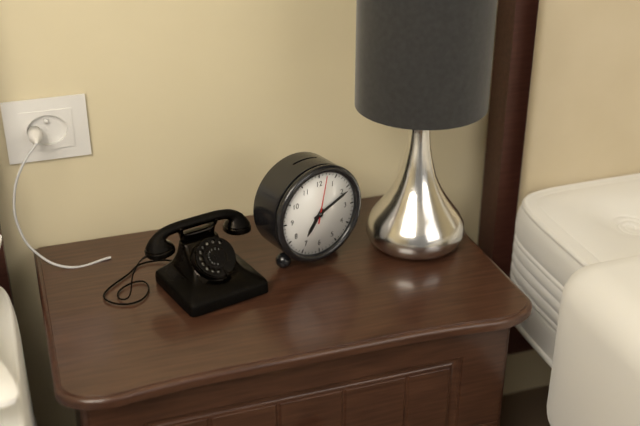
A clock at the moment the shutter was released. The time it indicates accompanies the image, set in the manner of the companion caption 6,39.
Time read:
7,11
